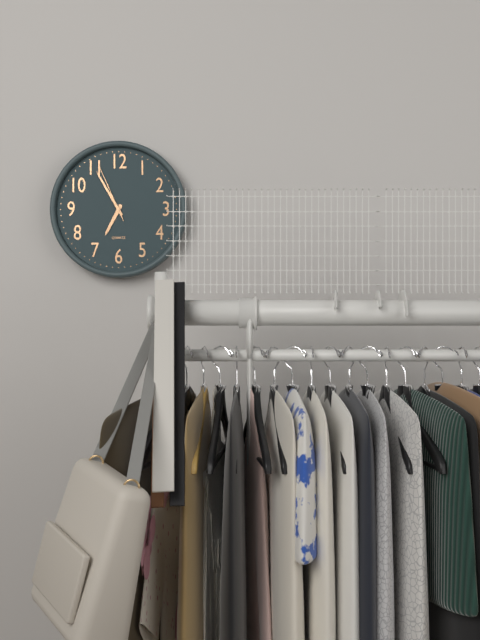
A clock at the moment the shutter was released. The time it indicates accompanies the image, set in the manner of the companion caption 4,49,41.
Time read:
6,55,56
